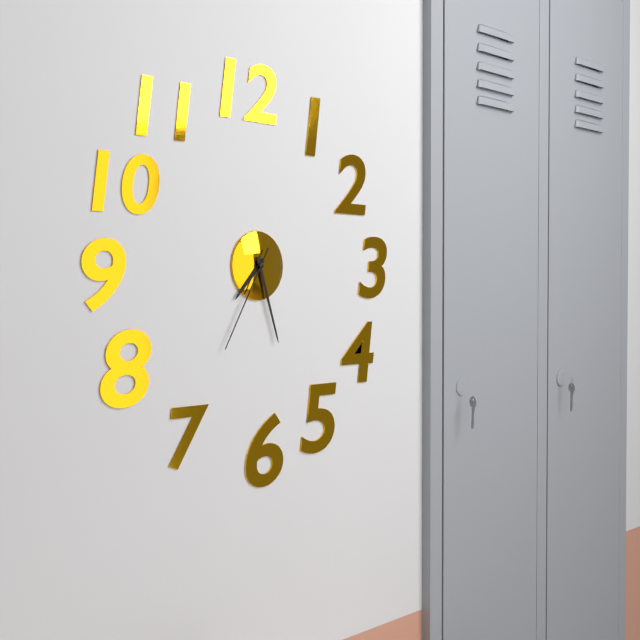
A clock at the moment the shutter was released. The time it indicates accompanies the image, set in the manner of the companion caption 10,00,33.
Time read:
7,27,35
